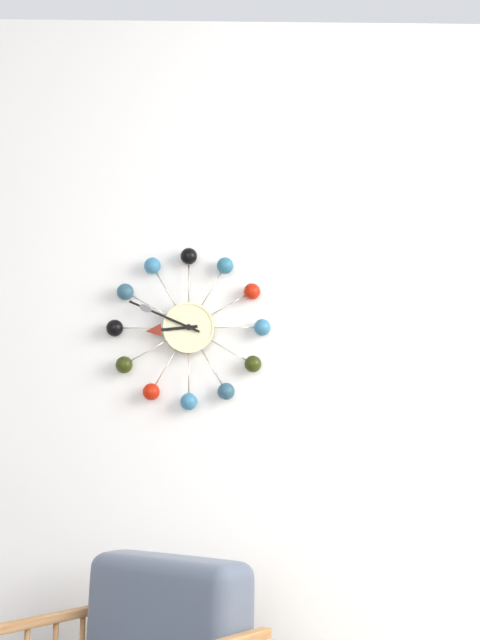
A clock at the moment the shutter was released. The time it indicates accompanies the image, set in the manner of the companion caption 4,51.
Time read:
8,49
